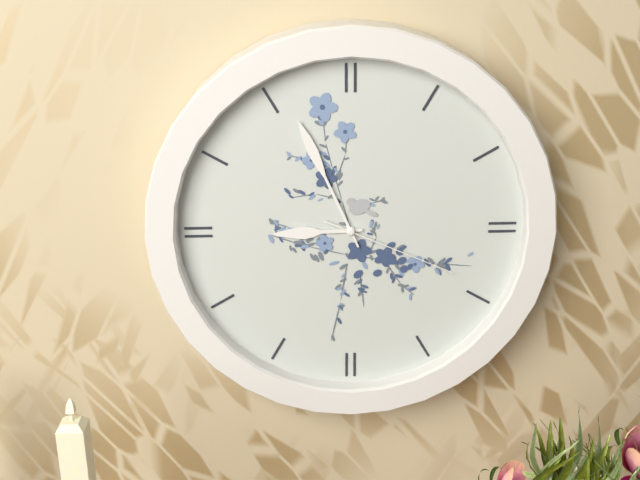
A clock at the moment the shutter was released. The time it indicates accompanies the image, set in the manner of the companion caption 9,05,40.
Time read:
8,56,19
